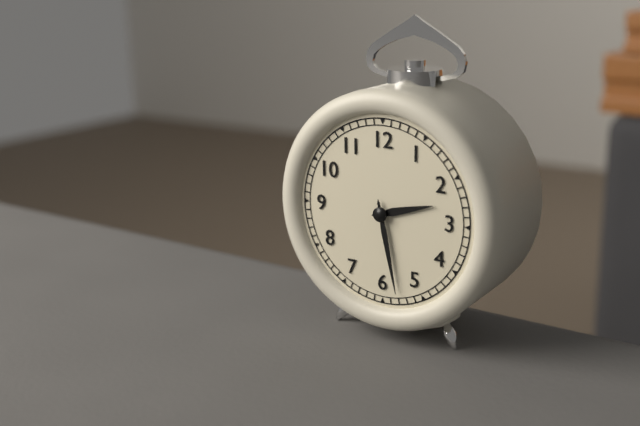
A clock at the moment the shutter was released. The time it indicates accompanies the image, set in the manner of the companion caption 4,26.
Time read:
2,28
